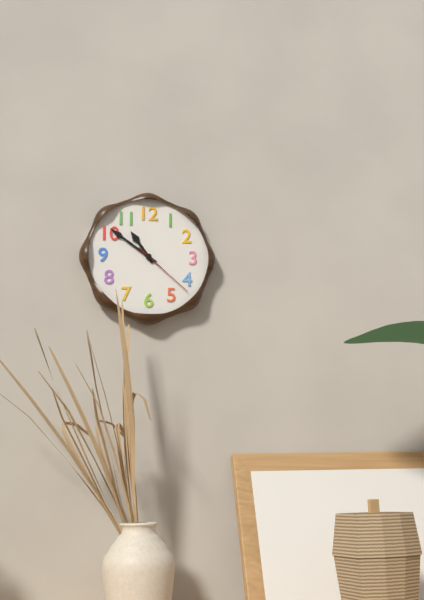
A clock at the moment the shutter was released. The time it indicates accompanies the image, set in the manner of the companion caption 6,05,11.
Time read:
10,51,22
